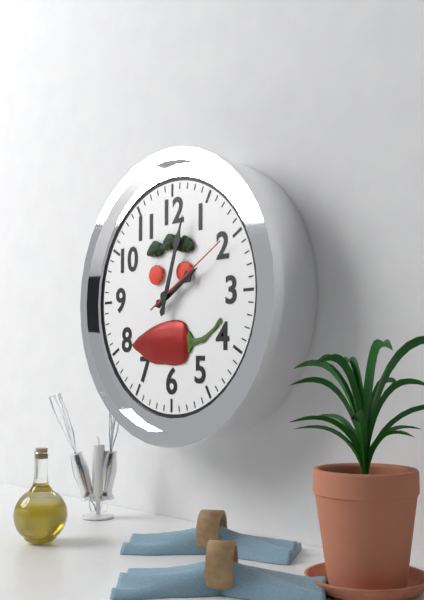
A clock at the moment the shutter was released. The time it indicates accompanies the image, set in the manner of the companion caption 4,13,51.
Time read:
2,03,10
